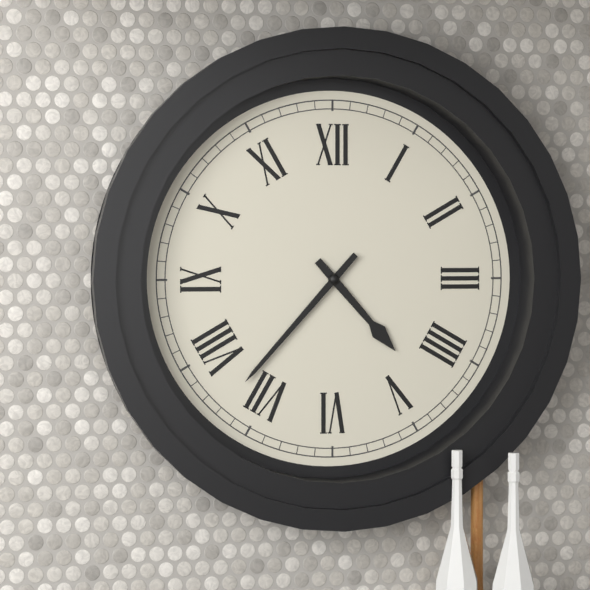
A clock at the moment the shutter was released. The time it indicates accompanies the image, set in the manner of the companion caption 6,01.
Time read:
4,37
